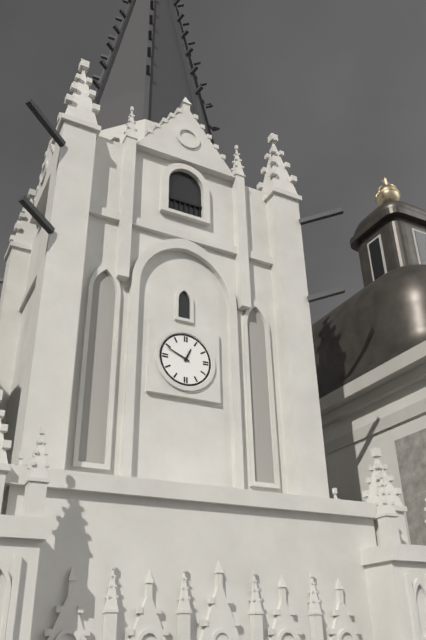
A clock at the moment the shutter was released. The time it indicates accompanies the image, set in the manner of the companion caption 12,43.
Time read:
12,49
